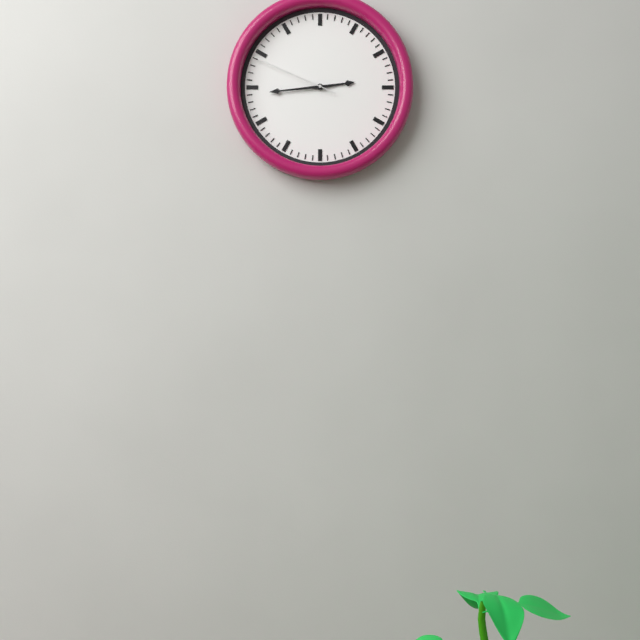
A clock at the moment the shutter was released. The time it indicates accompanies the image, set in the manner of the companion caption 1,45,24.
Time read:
2,44,49
